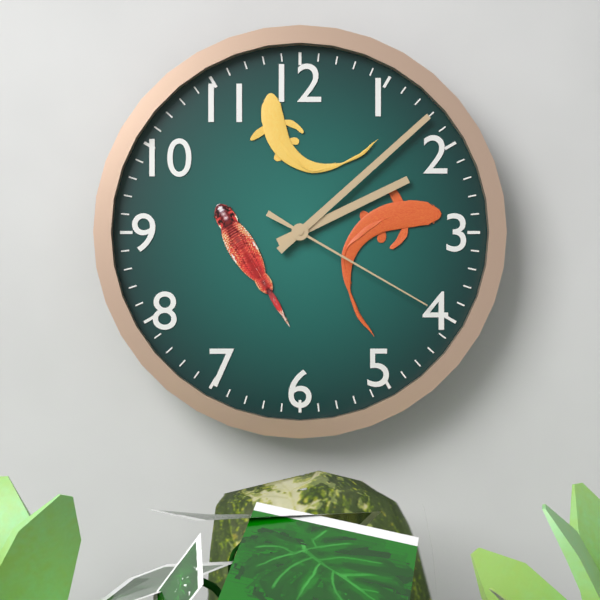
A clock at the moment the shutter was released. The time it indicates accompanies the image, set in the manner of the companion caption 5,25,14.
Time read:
2,08,20
